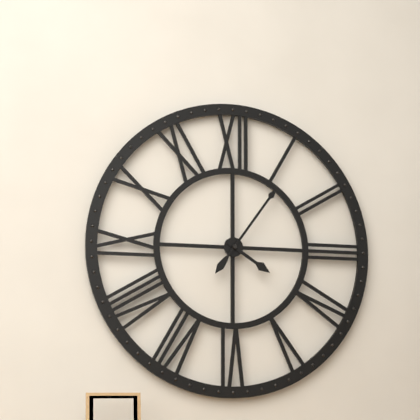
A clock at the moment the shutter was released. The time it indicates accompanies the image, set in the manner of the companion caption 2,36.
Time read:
4,06
